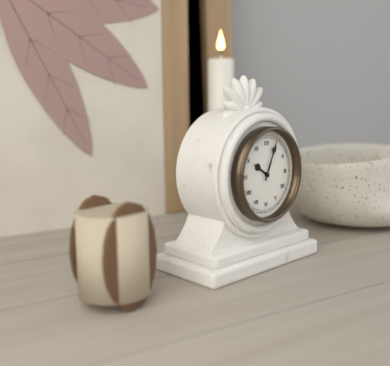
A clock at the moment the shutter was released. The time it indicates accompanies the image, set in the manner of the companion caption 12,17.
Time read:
10,04
